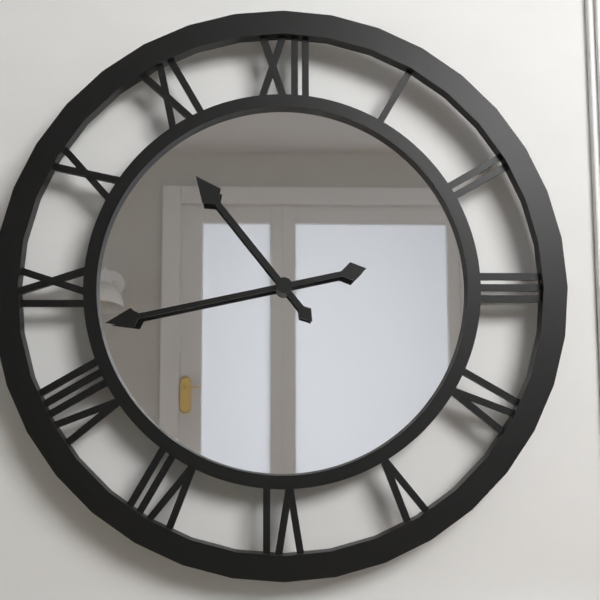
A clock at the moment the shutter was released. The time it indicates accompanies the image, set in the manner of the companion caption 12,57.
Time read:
10,43
